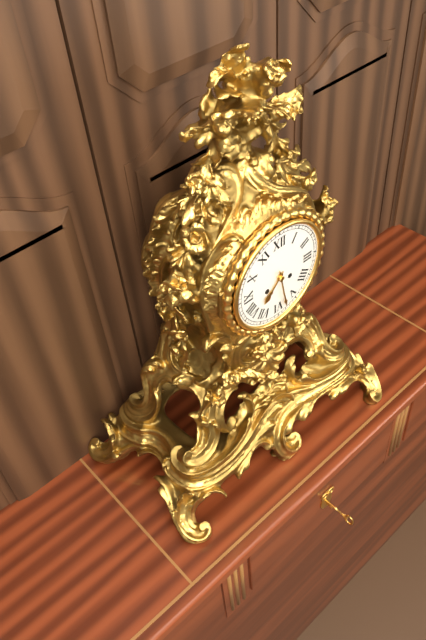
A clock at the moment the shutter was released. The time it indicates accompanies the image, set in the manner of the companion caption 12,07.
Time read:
7,28
